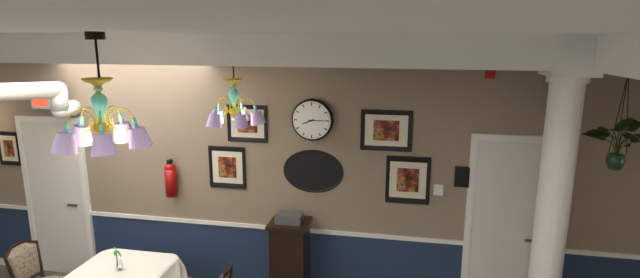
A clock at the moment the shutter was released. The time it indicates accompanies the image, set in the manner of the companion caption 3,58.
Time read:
8,15
